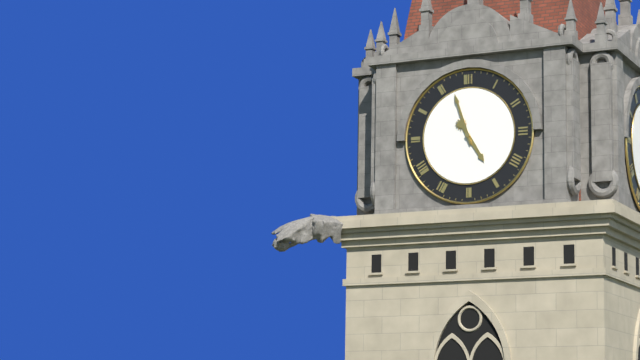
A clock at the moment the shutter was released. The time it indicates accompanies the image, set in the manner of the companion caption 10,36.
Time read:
4,57
